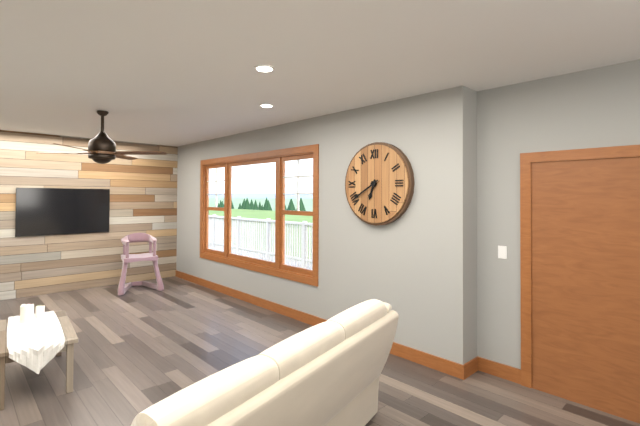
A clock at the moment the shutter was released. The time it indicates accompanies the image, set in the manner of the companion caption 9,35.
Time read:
6,40
